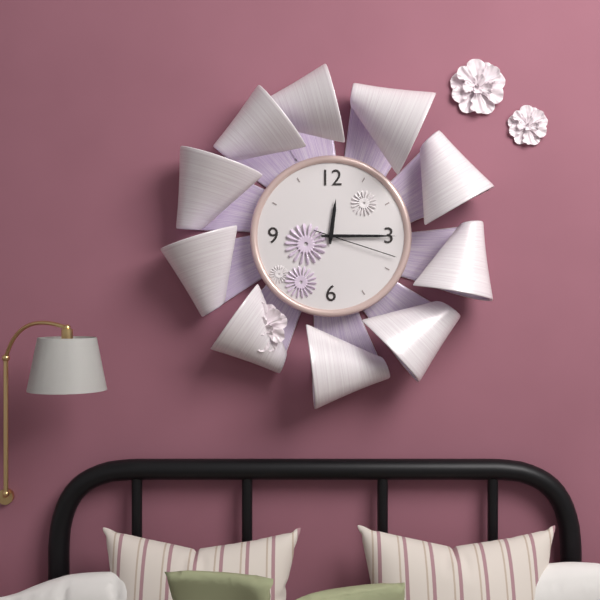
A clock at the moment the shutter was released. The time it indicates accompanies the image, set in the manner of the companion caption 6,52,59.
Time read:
12,15,18
